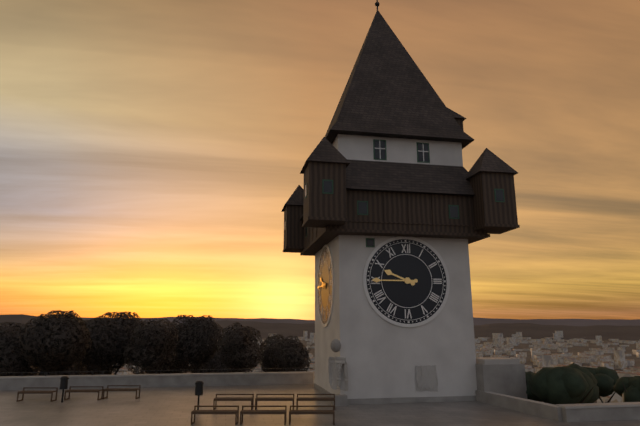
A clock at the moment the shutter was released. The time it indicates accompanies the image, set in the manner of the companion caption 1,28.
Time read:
9,45
